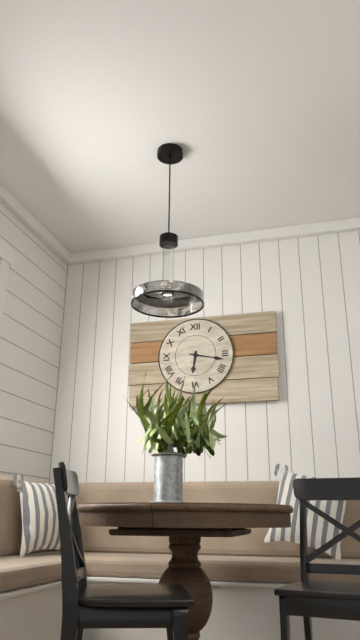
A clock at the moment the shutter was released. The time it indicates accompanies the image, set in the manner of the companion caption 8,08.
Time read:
6,17
